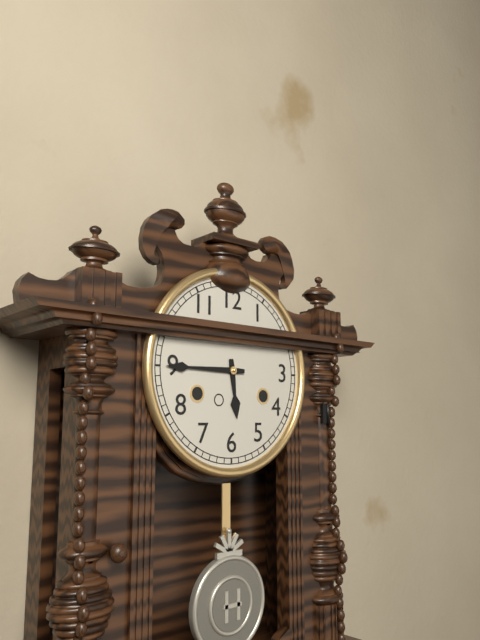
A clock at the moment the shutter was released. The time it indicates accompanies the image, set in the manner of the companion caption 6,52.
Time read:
5,45
